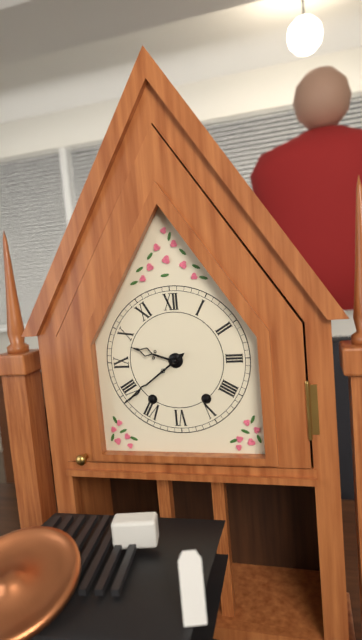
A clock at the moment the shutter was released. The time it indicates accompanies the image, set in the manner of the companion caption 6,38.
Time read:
9,39
